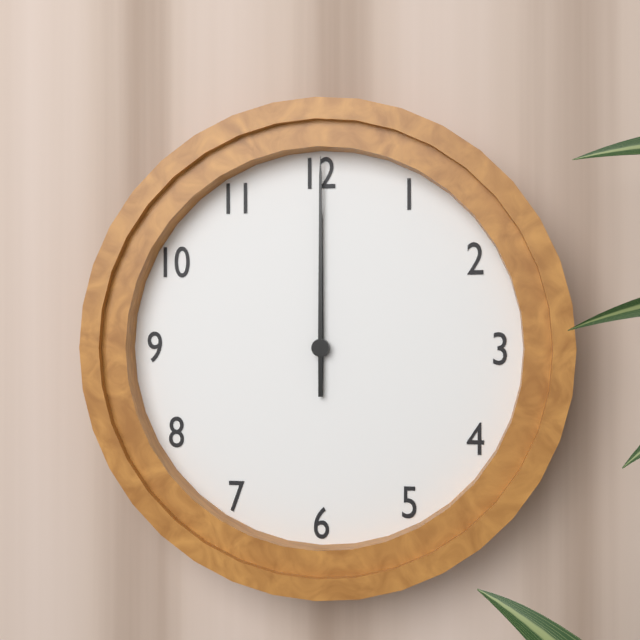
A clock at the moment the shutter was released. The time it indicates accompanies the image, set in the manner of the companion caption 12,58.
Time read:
12,00
